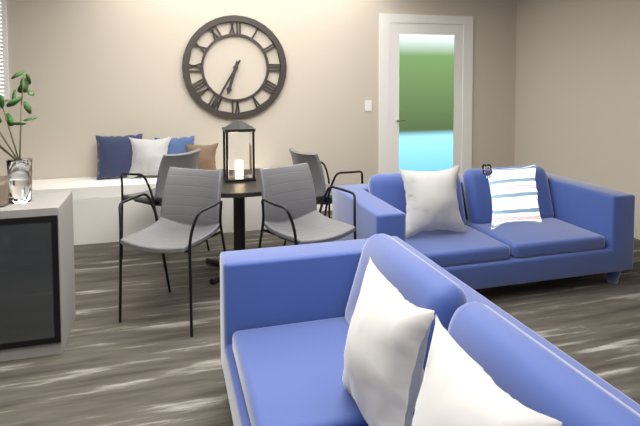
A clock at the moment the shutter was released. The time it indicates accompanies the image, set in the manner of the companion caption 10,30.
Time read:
6,35
